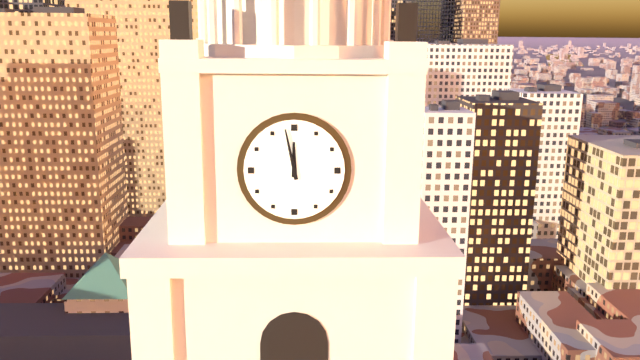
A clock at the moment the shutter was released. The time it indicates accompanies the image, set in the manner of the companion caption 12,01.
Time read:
11,58
